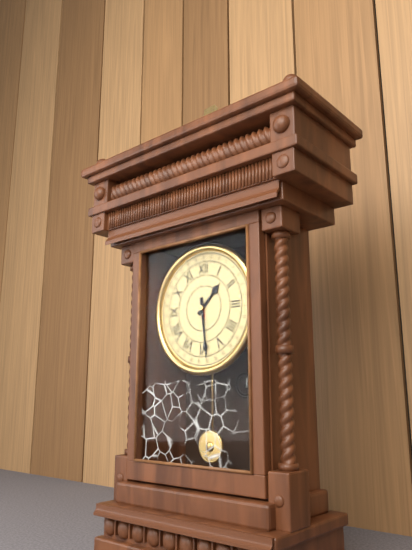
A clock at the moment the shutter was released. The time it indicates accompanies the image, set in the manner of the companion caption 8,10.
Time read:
1,29
